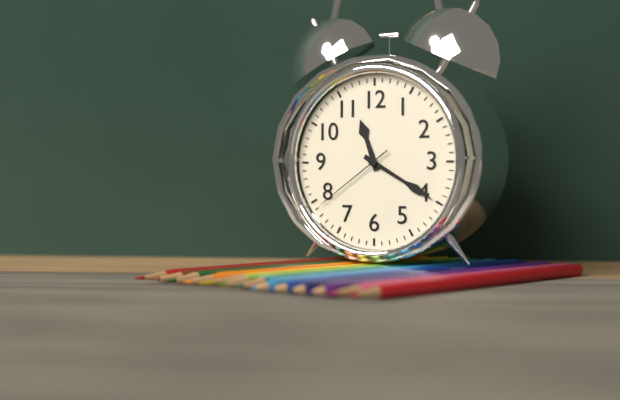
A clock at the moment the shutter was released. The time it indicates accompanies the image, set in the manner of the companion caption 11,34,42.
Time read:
11,20,39
